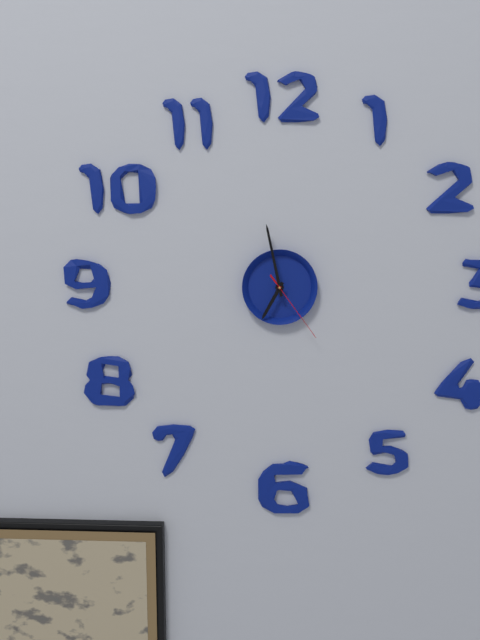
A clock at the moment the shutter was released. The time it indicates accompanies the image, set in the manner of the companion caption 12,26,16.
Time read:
6,58,24
